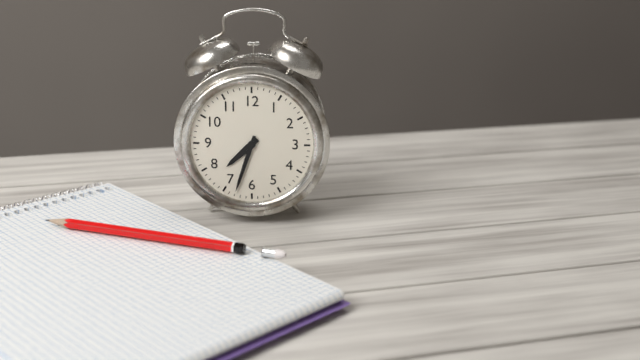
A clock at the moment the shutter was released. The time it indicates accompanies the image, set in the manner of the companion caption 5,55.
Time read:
7,33
